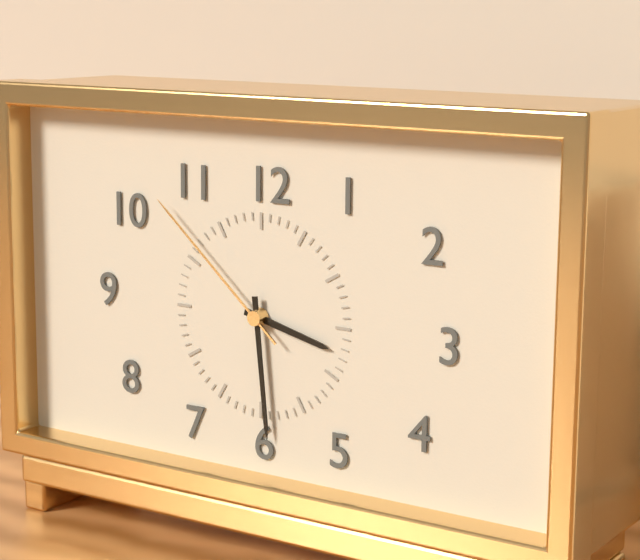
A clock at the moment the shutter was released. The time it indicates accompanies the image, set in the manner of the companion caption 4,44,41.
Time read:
3,29,52
